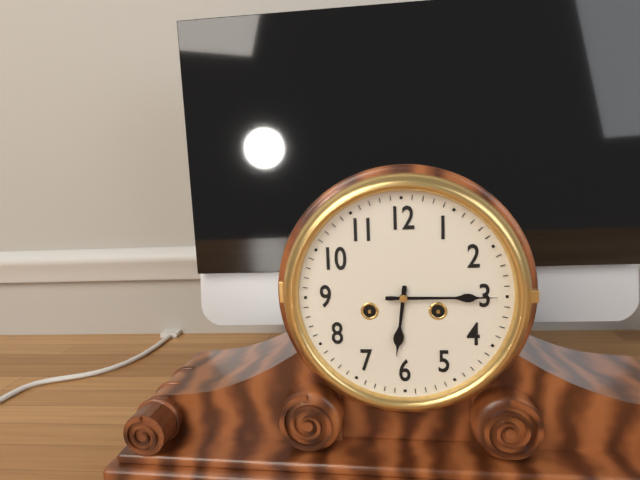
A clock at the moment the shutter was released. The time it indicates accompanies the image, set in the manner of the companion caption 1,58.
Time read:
6,15
